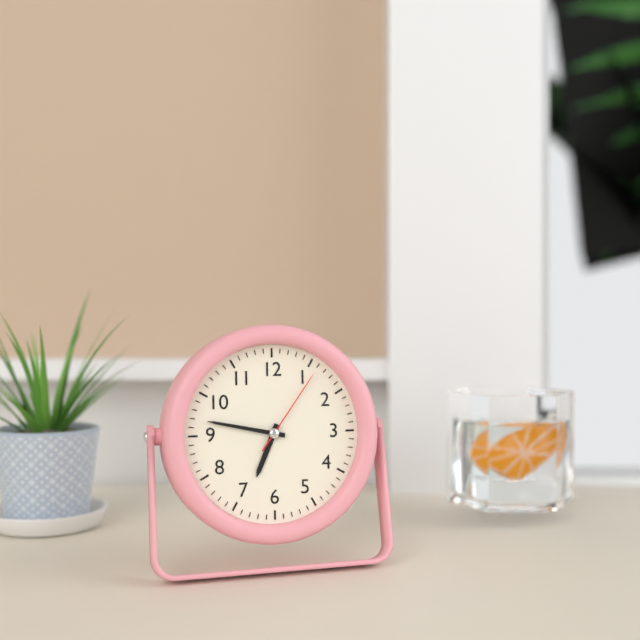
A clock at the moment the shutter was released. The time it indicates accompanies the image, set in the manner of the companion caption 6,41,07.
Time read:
6,47,06
